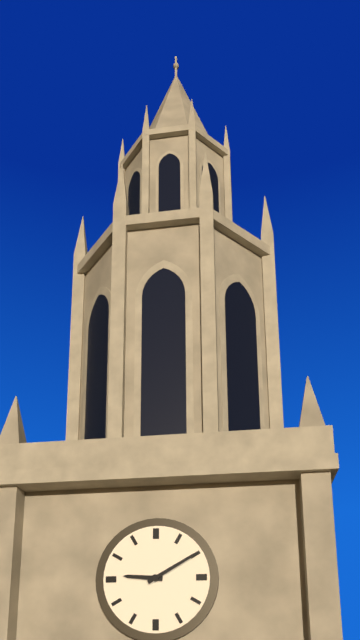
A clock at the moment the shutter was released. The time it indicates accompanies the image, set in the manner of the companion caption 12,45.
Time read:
9,10
